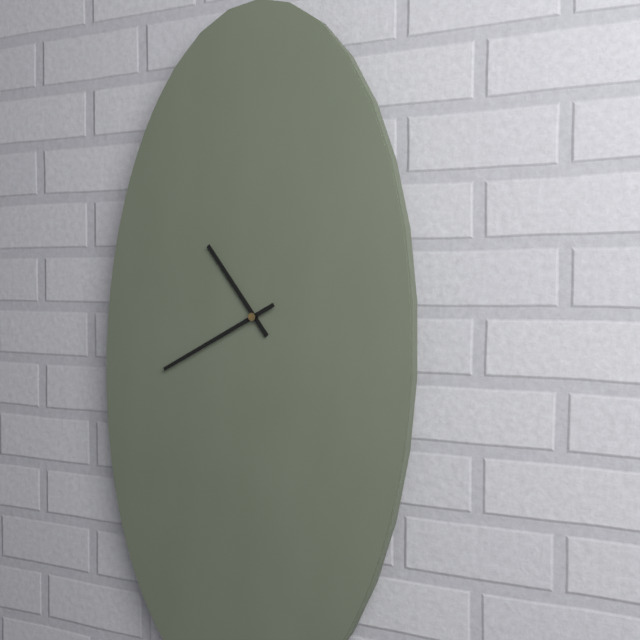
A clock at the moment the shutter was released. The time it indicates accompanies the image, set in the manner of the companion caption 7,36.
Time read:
10,40
